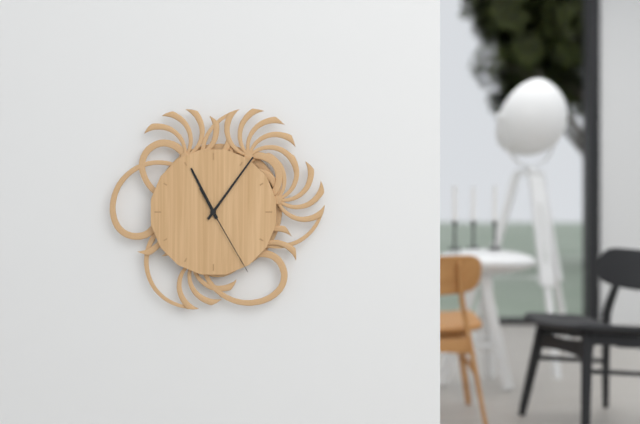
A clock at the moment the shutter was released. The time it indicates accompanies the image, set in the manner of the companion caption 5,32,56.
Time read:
11,06,25
